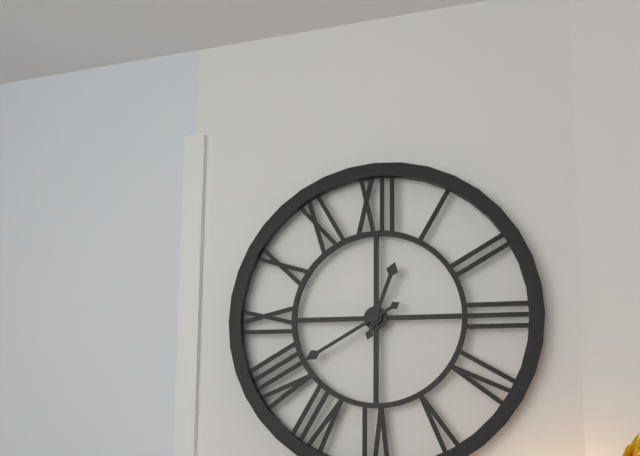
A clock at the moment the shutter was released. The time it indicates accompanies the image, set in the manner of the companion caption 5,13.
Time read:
12,40
